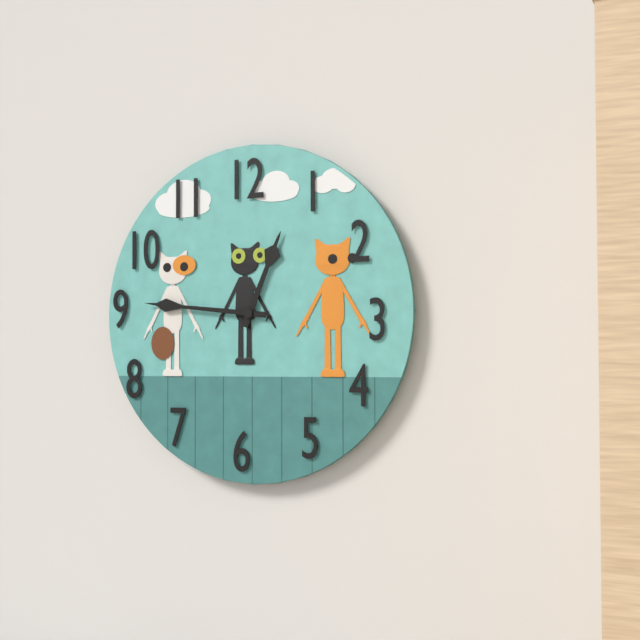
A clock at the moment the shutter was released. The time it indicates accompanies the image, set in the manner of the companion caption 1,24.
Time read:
12,46
